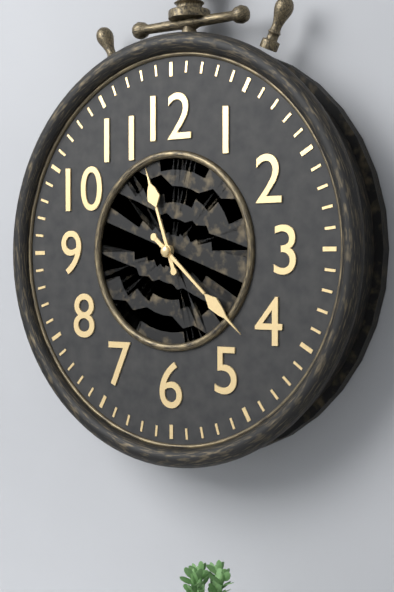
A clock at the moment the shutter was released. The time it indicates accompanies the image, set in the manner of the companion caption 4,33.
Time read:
11,22
